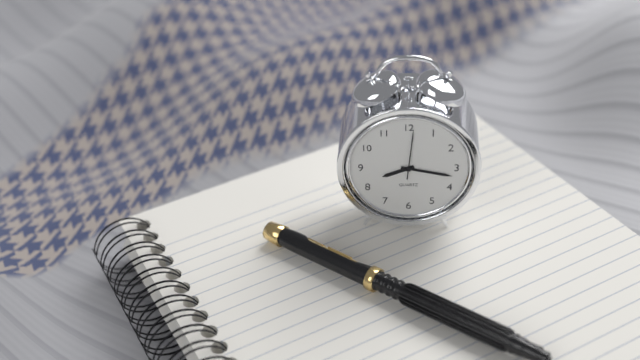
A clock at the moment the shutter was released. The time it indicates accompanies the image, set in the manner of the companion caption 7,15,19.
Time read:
8,17,01
